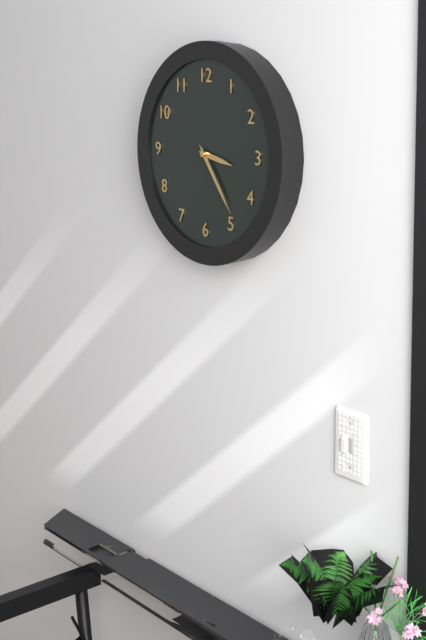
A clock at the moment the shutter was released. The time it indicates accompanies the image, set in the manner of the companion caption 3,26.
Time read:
3,24
